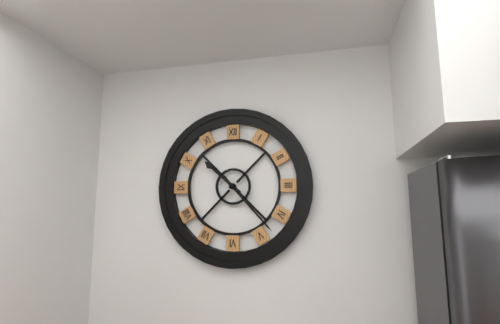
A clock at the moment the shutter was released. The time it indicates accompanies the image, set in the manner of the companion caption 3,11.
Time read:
10,23
